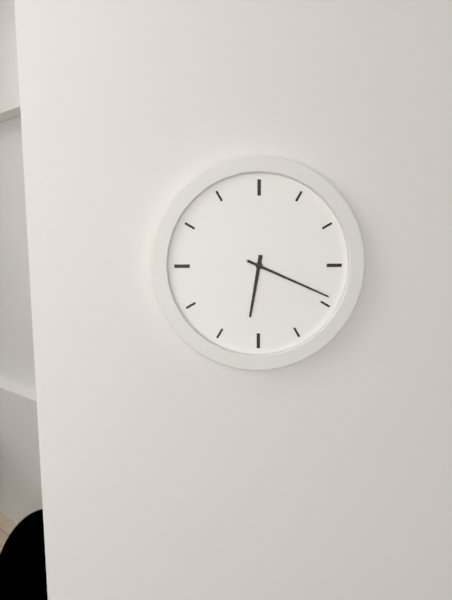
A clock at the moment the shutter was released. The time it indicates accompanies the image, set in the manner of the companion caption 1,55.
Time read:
6,19
